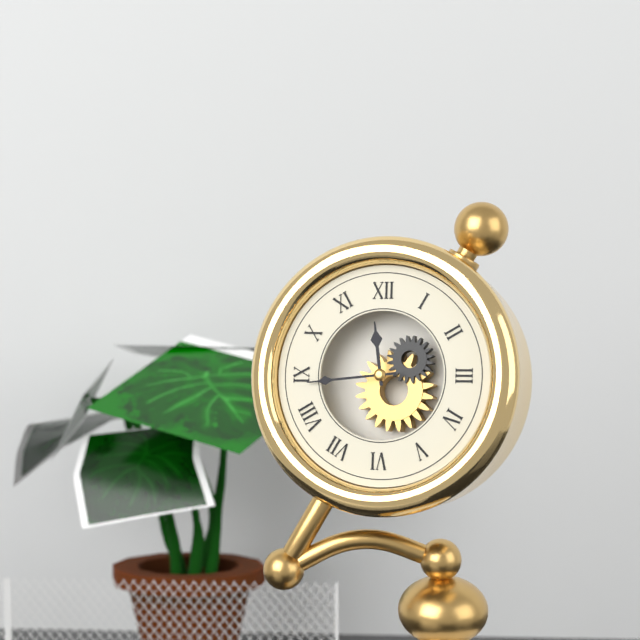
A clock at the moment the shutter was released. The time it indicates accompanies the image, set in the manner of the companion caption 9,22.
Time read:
11,44
